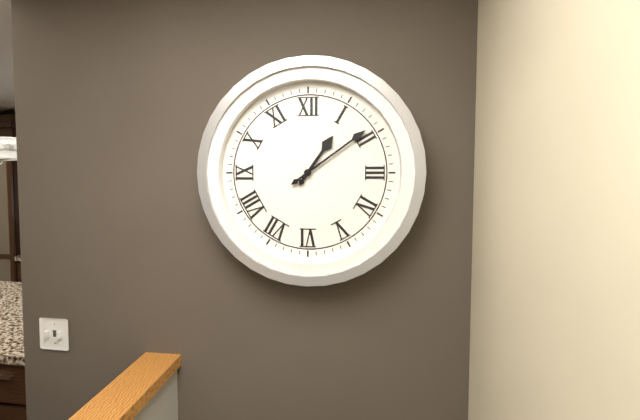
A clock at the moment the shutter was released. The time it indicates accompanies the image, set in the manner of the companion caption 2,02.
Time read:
1,09
